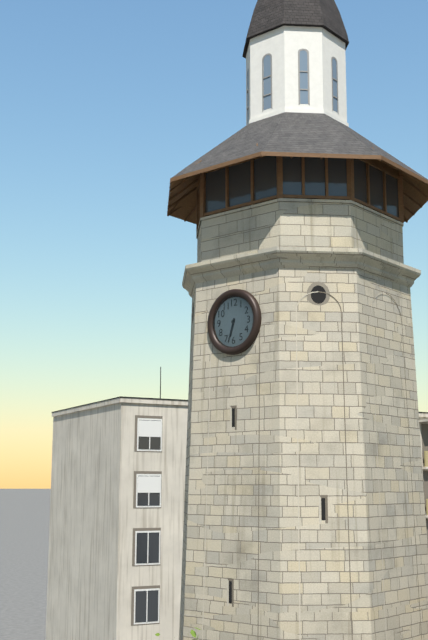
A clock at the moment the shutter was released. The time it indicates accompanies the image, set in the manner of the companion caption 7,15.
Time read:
6,33
